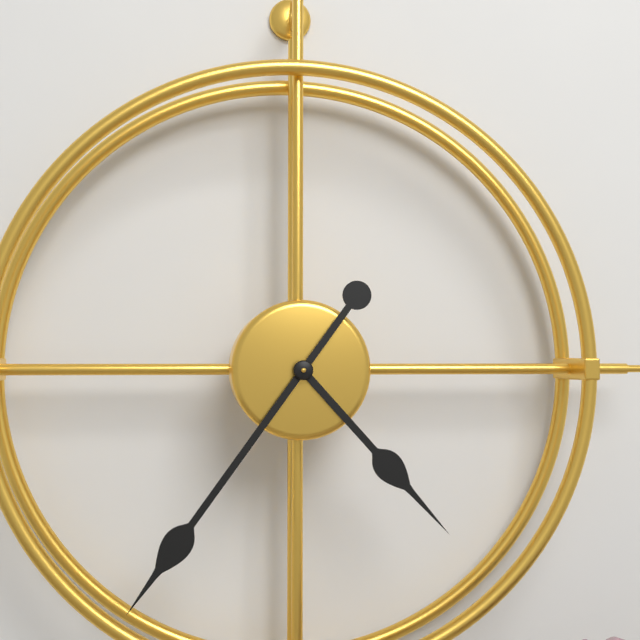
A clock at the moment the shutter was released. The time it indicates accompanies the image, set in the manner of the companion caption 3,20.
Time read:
4,36
